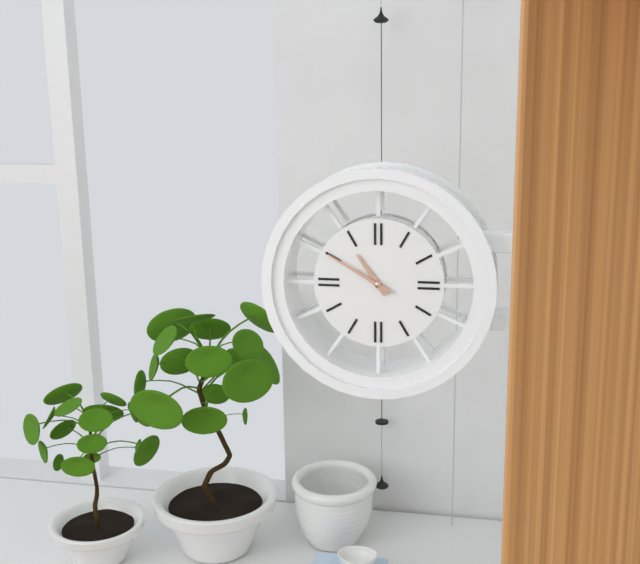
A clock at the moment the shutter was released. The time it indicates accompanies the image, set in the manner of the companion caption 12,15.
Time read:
10,50
